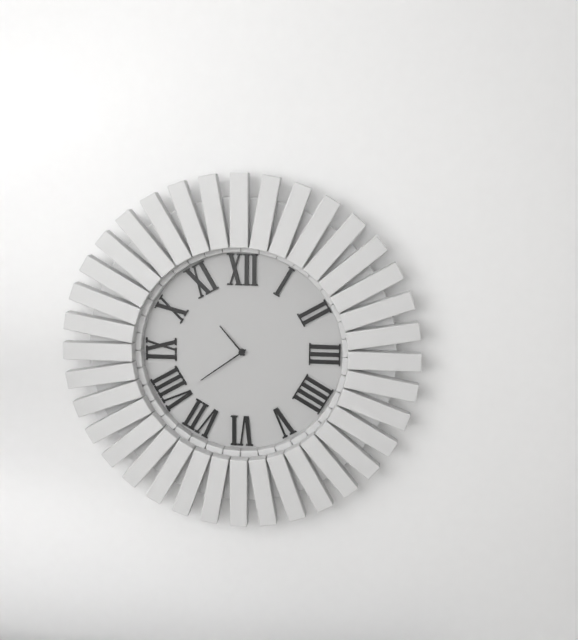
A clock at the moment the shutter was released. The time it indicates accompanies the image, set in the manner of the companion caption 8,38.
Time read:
10,39
